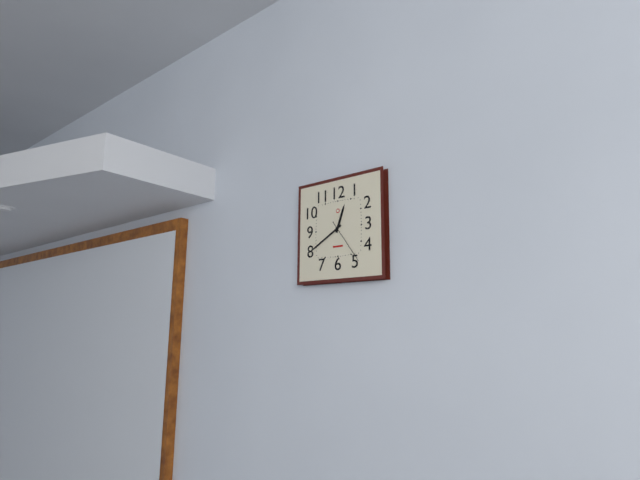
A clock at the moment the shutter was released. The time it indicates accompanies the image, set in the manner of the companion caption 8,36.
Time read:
12,40
